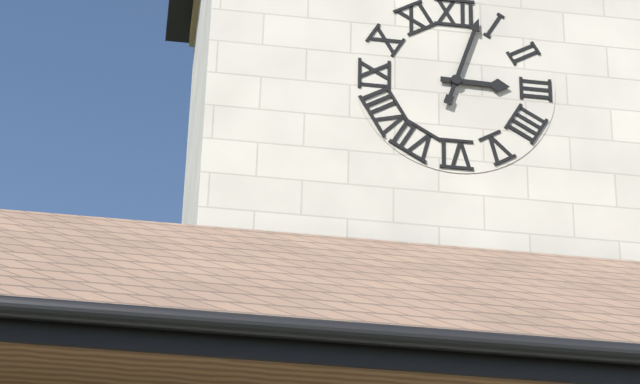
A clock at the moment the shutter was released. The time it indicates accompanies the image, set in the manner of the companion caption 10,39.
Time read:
3,03
